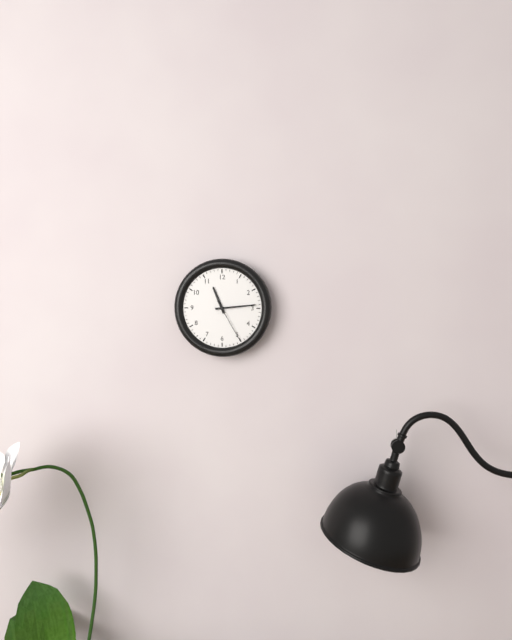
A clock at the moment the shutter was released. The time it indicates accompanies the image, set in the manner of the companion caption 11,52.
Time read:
11,14
